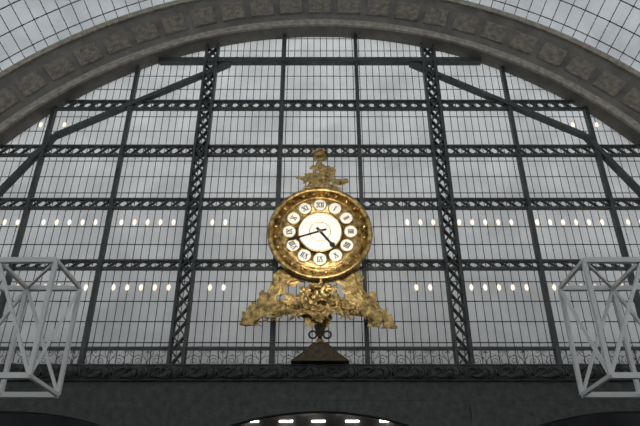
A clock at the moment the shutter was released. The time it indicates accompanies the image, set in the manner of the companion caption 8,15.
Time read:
4,42
